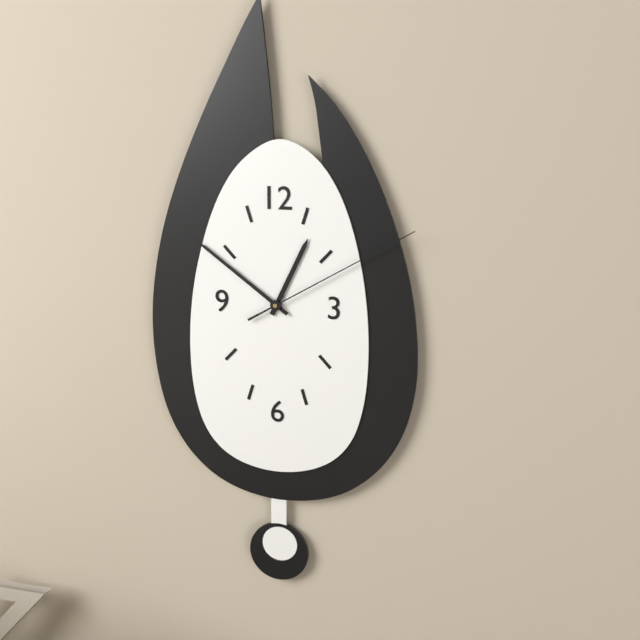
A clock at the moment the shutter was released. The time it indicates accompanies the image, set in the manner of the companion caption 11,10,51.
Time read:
12,51,10
